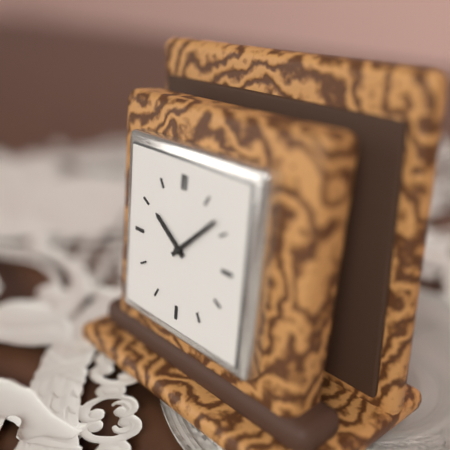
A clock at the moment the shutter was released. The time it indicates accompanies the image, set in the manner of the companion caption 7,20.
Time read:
10,08
